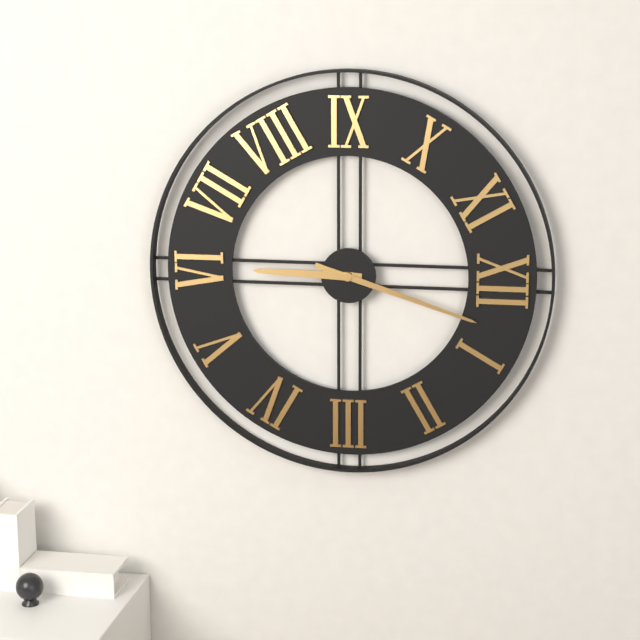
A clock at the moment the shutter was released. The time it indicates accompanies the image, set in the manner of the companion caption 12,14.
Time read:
6,03
